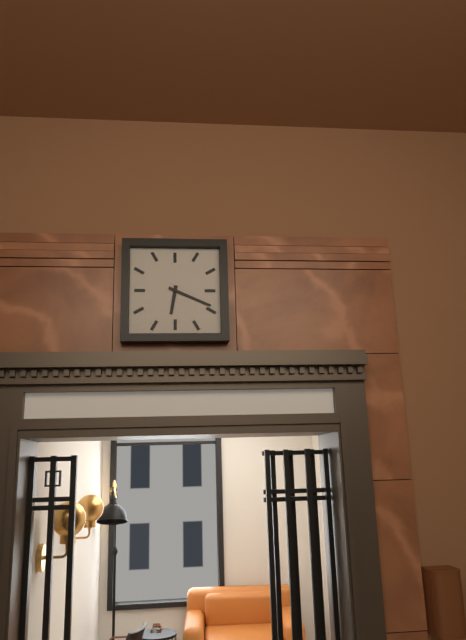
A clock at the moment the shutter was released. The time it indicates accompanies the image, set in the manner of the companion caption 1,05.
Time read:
6,19
